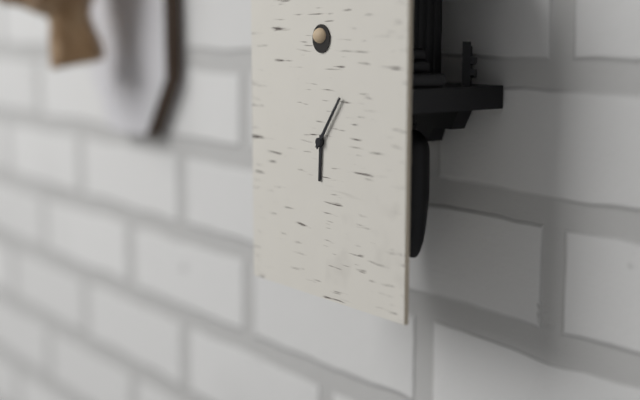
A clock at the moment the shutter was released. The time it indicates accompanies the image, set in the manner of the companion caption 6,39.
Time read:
6,06
